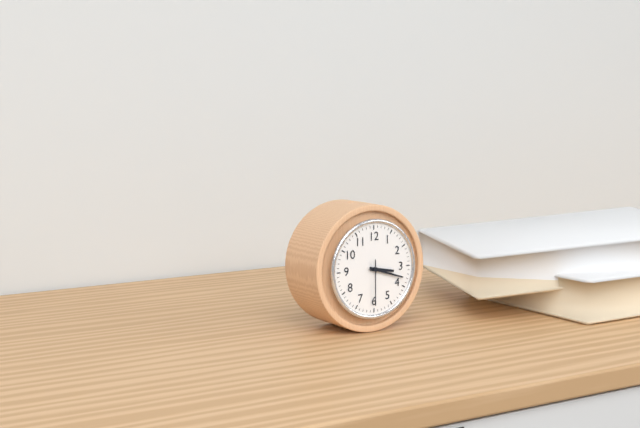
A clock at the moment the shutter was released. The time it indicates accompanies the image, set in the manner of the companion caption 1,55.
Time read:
3,18
